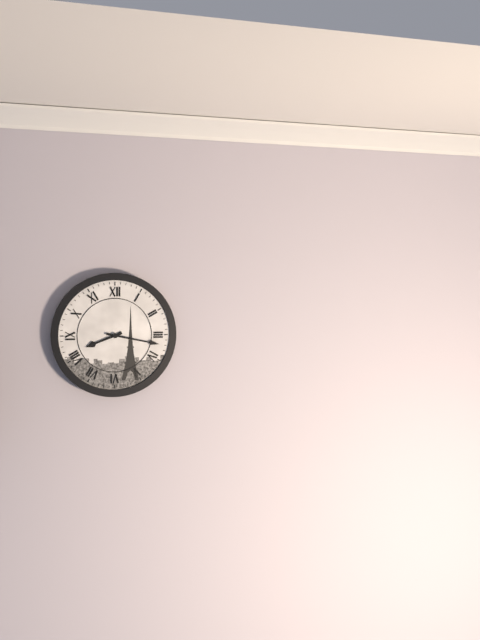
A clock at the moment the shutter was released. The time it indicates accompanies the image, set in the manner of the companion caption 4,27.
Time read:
8,17
